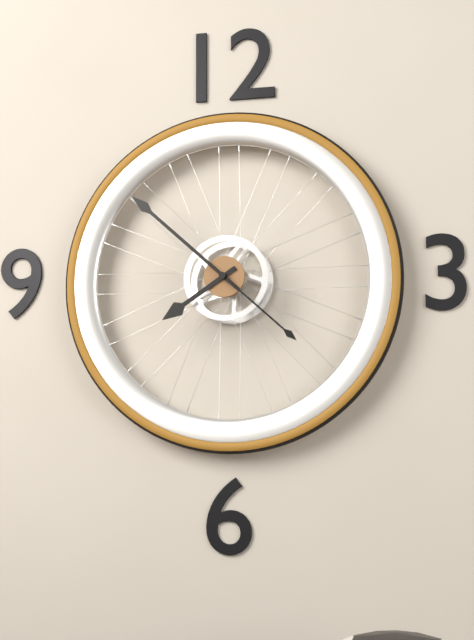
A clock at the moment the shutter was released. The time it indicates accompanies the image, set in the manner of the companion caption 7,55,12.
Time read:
7,52,22
